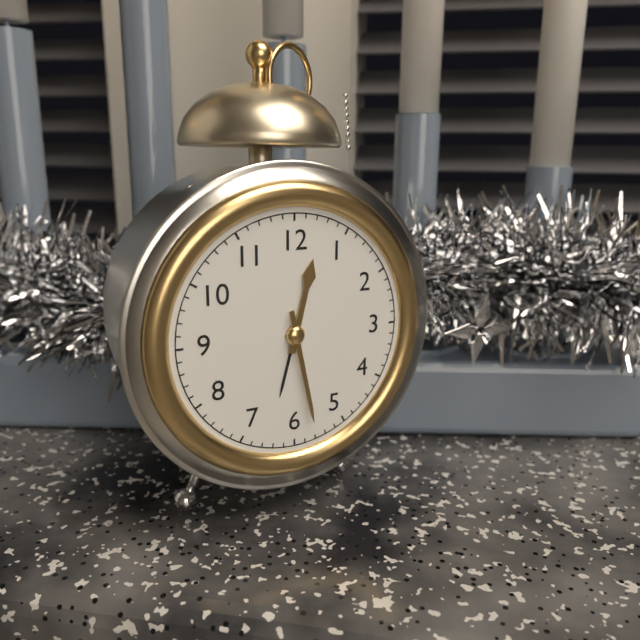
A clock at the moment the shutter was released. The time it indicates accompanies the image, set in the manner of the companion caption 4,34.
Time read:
12,28
